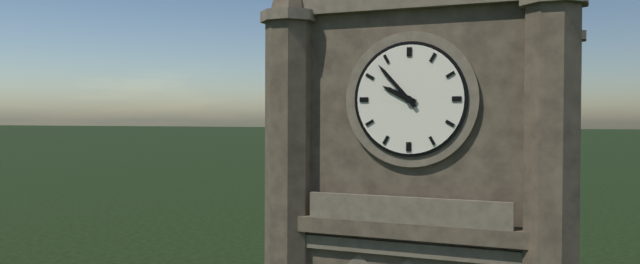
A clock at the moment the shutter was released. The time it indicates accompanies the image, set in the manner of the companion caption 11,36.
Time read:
9,53
